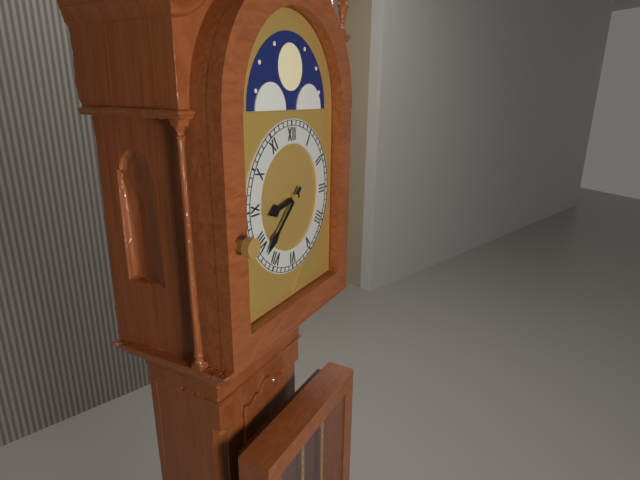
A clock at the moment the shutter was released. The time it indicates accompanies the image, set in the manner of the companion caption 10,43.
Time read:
8,38
